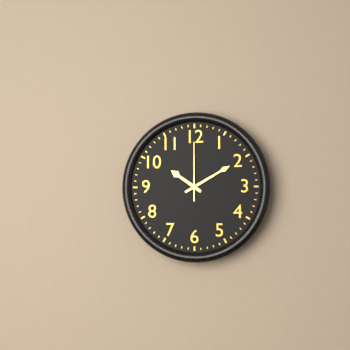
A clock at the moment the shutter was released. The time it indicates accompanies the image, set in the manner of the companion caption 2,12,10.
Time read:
10,10,00
